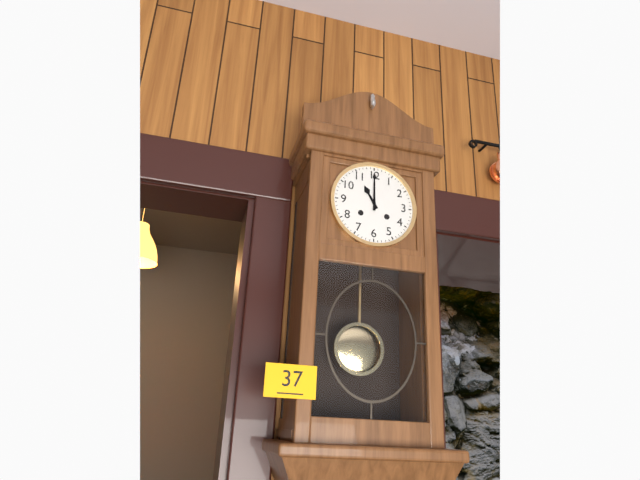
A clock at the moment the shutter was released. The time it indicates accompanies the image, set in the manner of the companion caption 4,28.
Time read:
11,00
